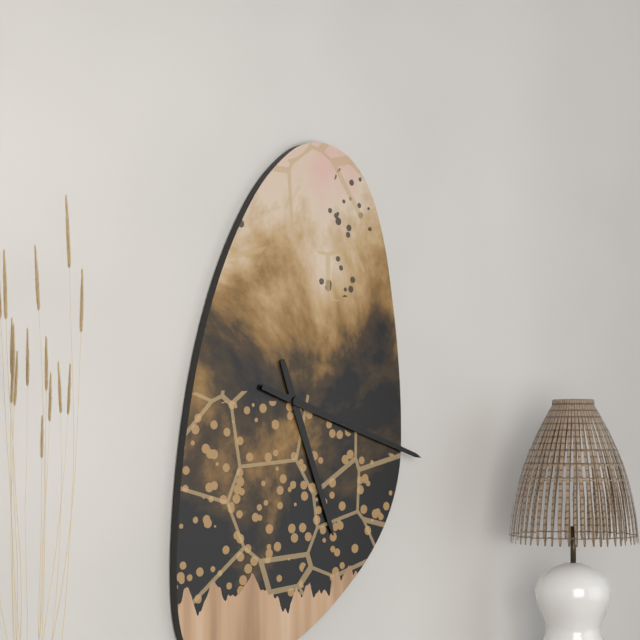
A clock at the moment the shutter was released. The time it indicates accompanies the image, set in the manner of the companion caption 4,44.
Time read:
5,18
